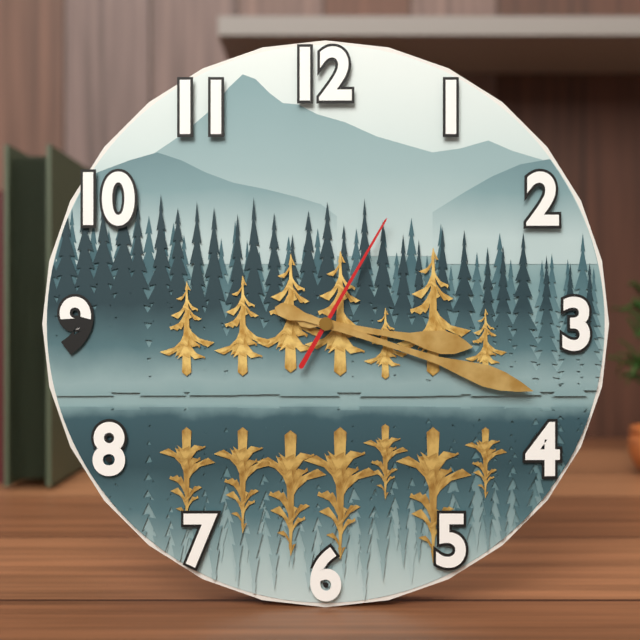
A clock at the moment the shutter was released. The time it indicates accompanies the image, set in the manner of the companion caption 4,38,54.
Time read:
3,18,05
